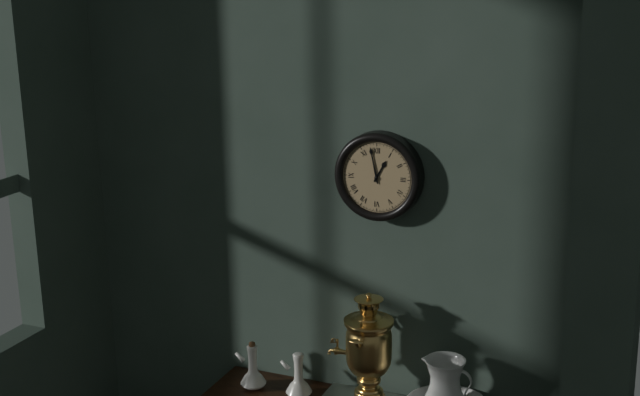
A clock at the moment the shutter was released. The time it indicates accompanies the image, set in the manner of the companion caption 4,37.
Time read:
12,58
